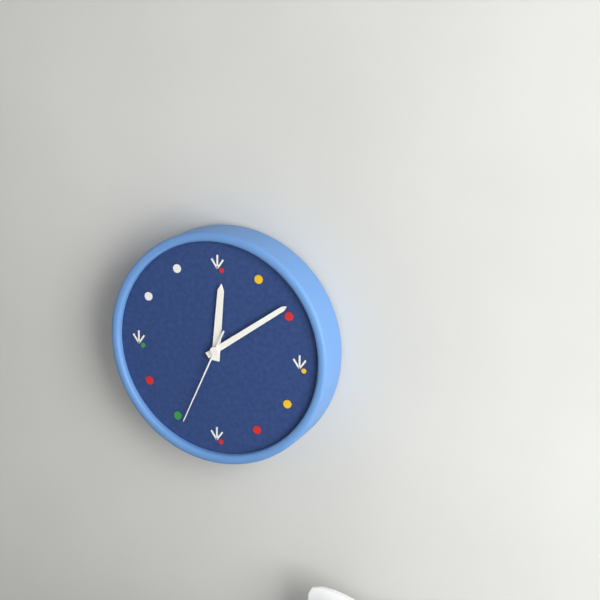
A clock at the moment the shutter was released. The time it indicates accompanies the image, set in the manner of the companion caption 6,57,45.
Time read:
12,09,34
